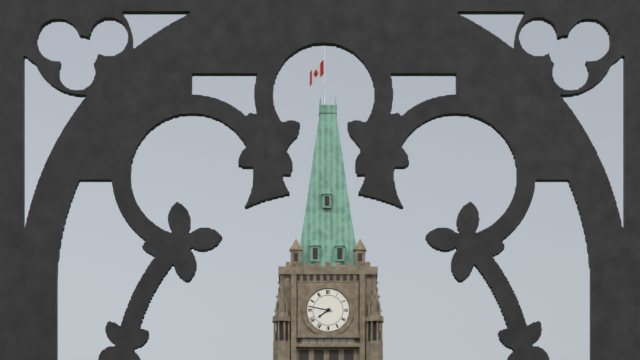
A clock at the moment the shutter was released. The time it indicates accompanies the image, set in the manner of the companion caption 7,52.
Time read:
7,47
